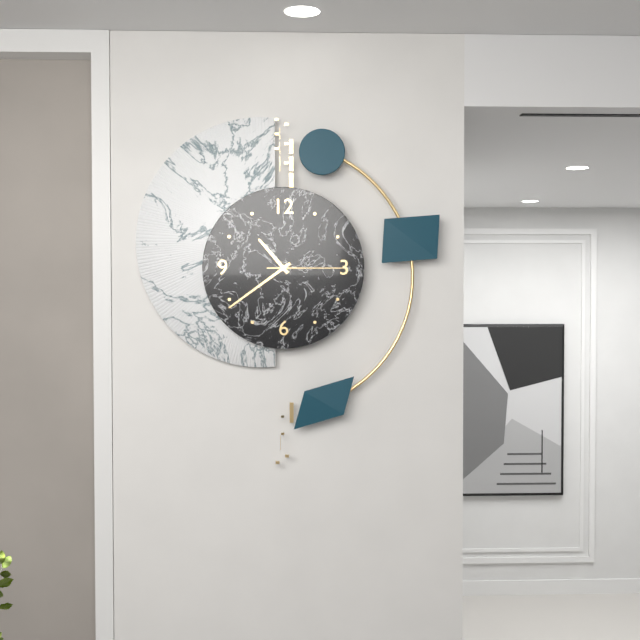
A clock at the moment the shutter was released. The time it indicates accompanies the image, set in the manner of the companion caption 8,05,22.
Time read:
10,39,15
